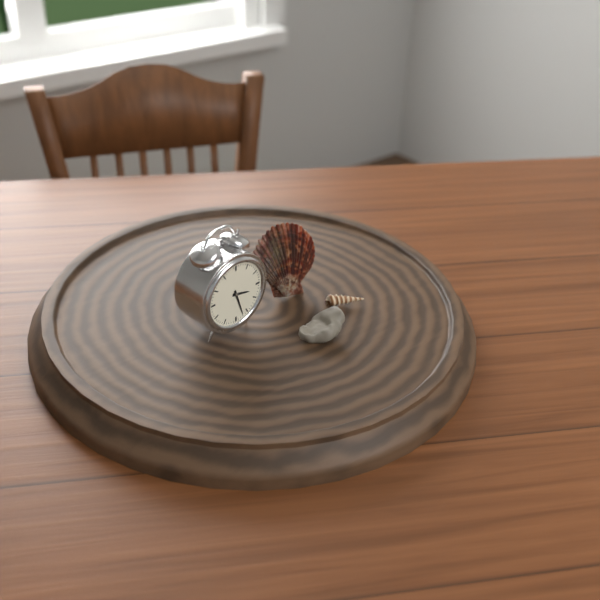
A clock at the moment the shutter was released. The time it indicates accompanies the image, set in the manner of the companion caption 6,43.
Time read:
3,27
